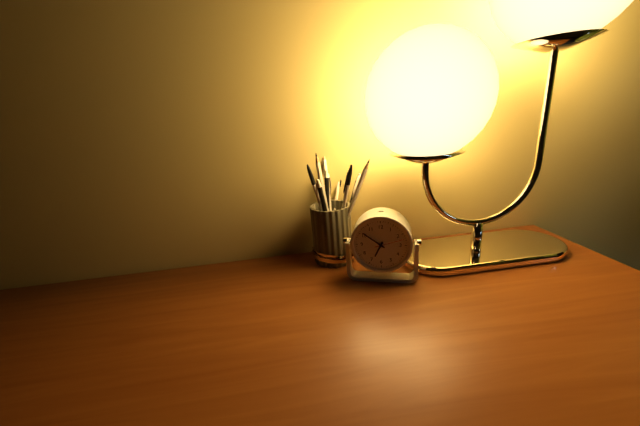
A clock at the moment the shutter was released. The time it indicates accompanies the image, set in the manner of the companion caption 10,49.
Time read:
6,51
